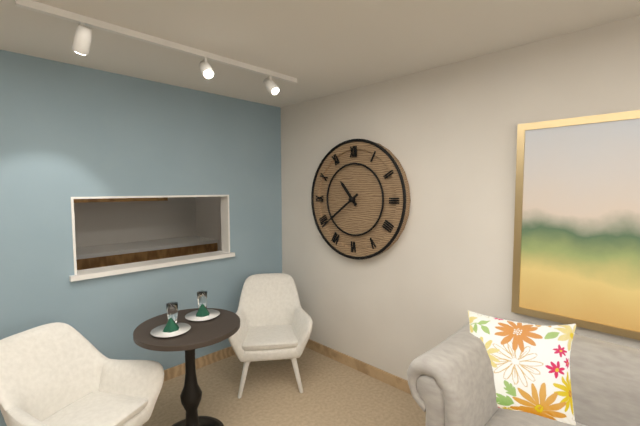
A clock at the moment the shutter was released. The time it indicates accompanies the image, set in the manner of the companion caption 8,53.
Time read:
10,39
